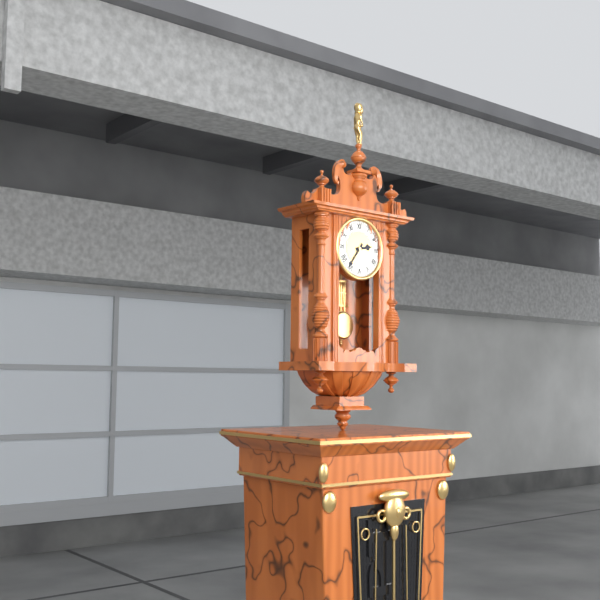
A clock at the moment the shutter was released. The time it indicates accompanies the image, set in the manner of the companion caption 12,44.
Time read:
2,36
